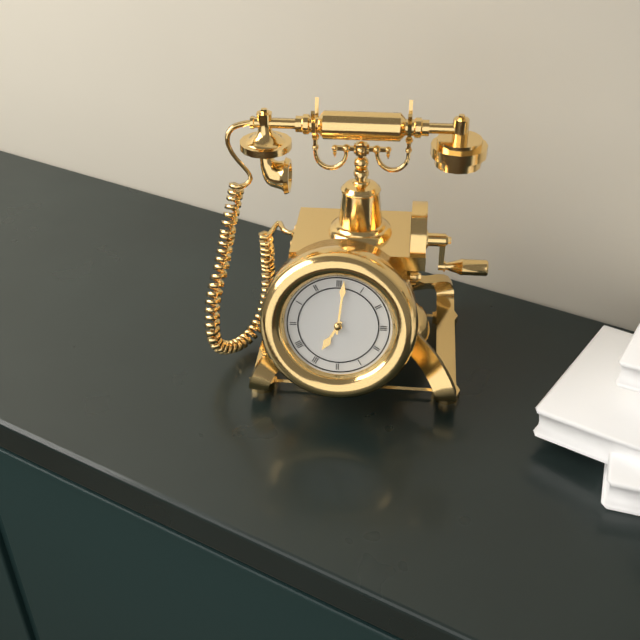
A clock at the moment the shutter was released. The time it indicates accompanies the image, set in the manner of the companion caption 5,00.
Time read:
7,01
